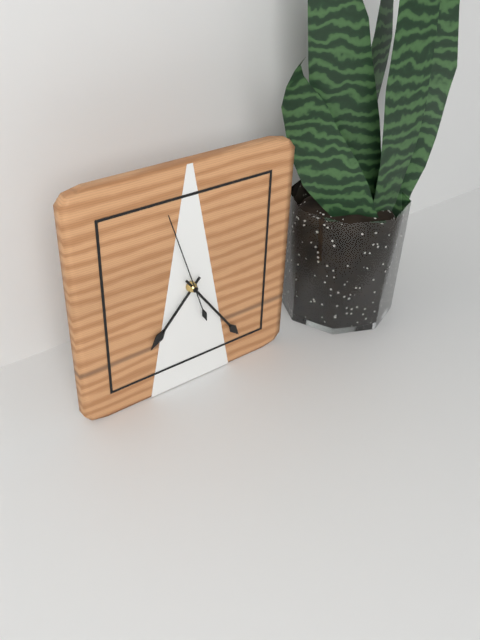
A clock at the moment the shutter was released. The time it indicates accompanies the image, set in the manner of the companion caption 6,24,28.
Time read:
7,24,57
